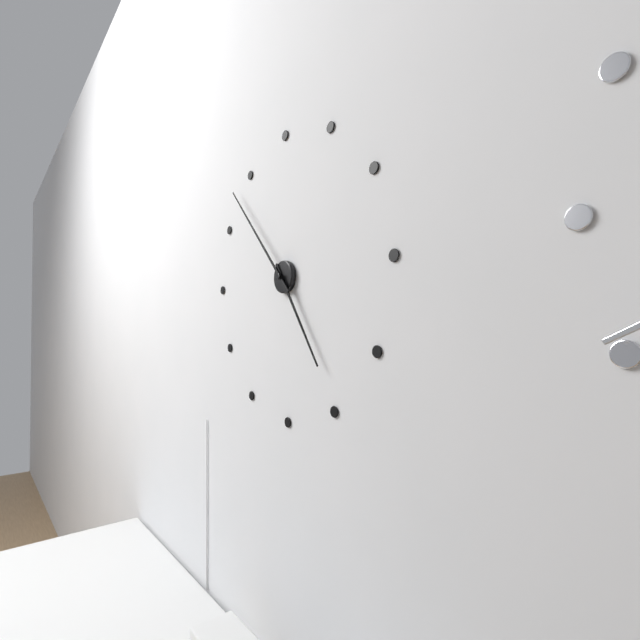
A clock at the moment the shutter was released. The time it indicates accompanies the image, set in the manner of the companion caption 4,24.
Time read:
4,53
